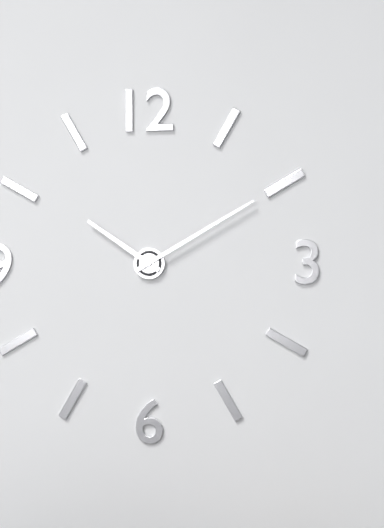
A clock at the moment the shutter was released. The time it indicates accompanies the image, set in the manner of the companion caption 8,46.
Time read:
10,10
